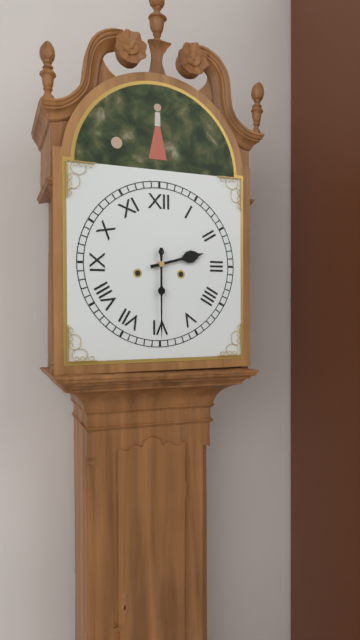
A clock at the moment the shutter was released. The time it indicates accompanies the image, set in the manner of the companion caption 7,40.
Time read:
2,30
